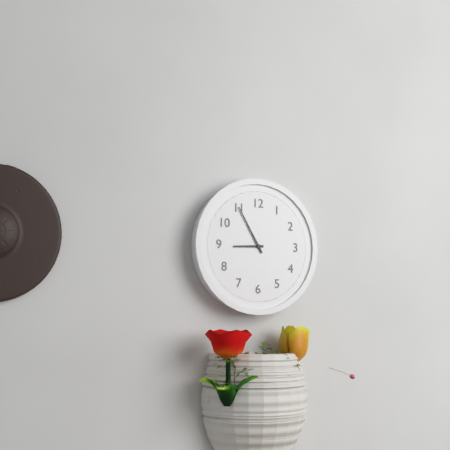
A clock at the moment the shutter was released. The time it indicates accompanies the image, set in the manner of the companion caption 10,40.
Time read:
8,55
